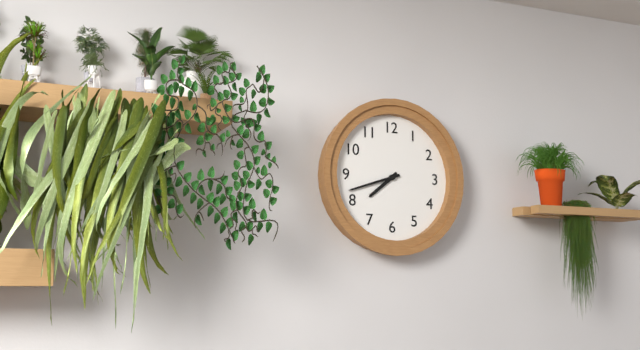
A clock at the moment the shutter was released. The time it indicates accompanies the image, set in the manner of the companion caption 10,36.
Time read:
7,42
